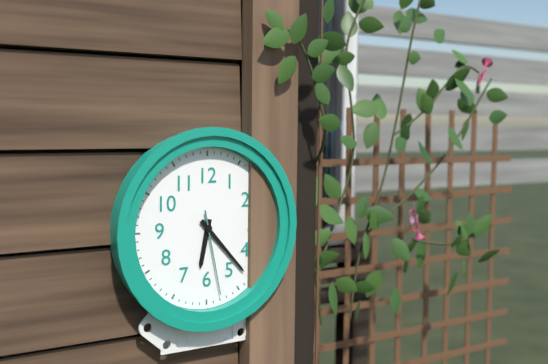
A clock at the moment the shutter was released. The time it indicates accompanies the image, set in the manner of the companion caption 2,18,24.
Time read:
6,23,28
